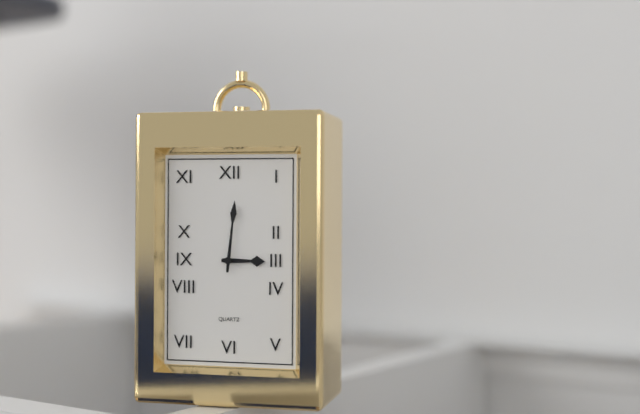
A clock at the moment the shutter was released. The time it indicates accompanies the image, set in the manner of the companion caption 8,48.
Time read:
3,01
